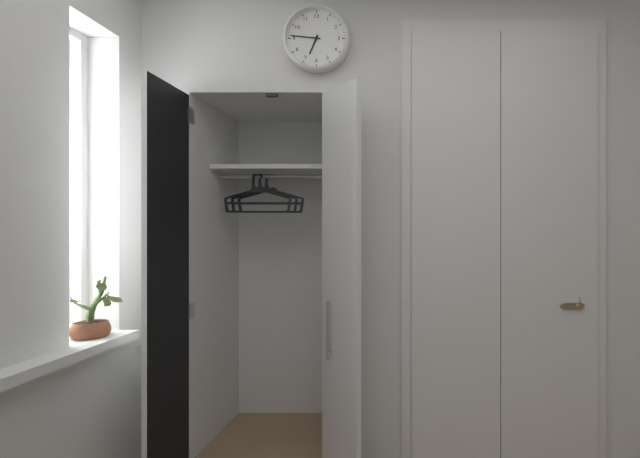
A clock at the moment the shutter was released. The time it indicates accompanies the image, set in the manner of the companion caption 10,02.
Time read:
6,46
